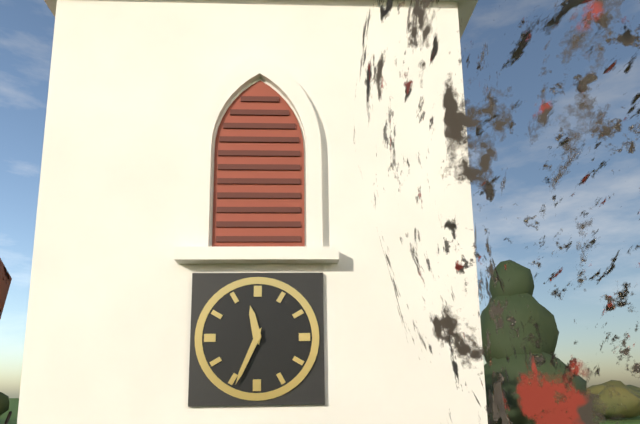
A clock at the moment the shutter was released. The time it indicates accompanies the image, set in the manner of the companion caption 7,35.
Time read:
11,34
